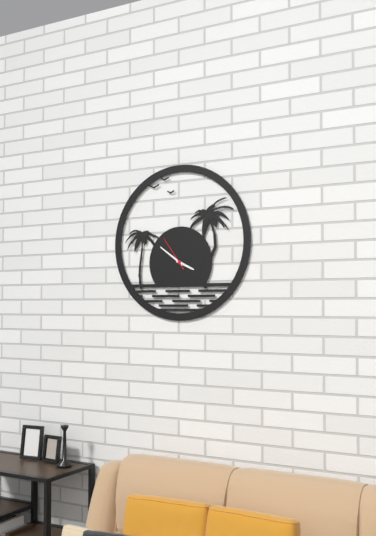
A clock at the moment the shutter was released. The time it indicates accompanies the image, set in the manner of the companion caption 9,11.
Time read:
3,51
